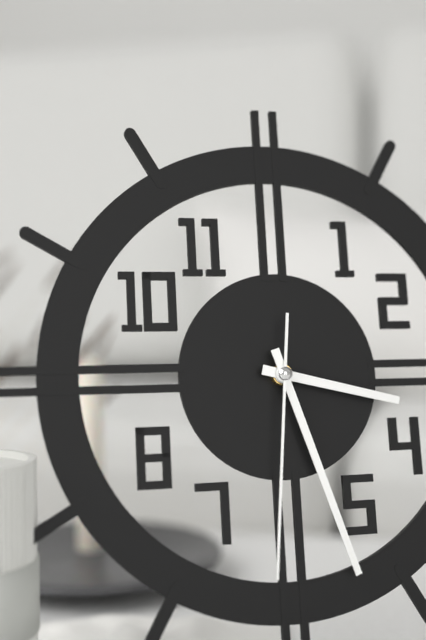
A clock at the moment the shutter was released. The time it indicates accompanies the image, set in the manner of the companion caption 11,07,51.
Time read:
3,27,31
